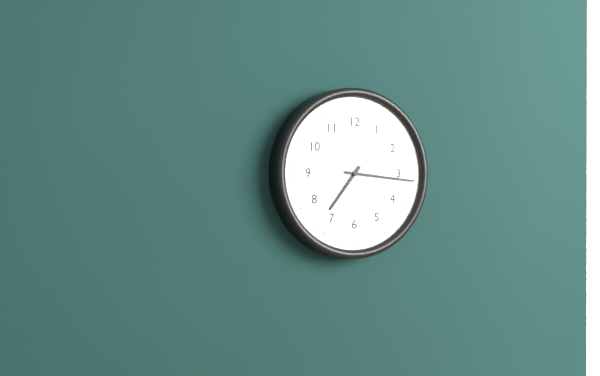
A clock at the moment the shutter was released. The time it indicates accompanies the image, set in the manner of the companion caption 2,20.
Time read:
7,16
